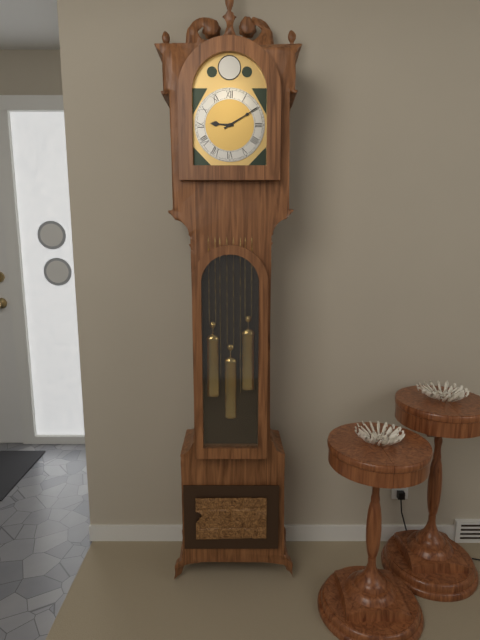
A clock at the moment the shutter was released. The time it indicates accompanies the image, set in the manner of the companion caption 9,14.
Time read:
9,10
